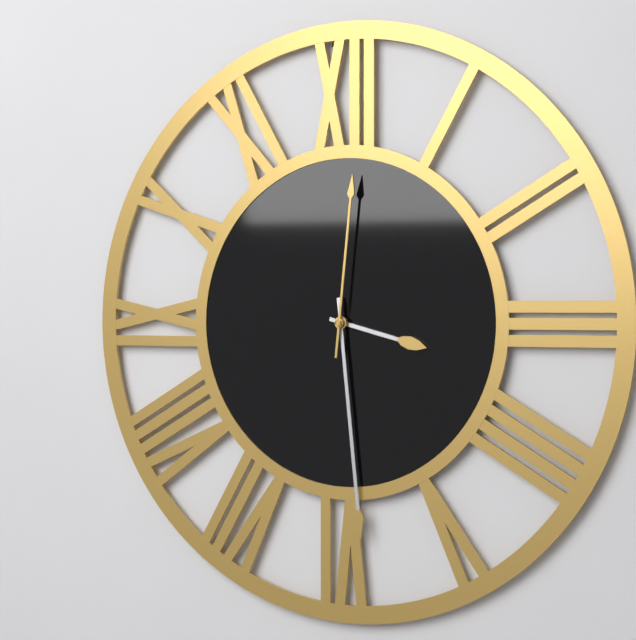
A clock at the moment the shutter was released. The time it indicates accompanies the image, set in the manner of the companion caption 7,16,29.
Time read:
3,29,01
